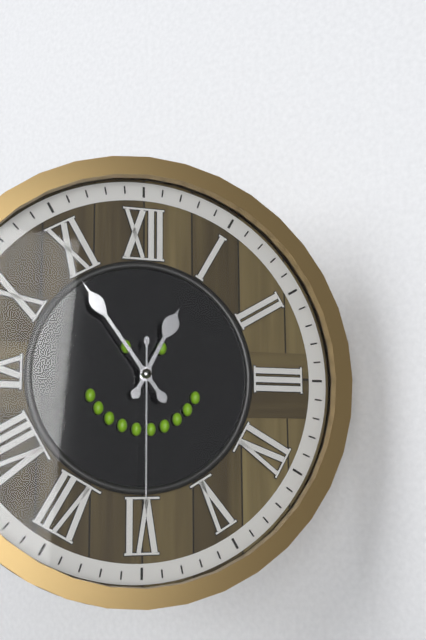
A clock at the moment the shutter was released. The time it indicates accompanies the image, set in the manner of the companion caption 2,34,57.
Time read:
12,54,30
